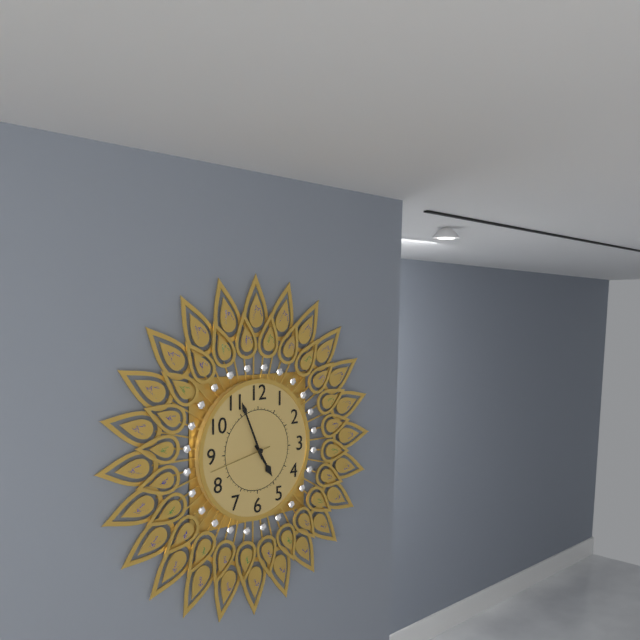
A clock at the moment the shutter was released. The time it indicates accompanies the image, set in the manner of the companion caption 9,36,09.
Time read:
4,56,43
